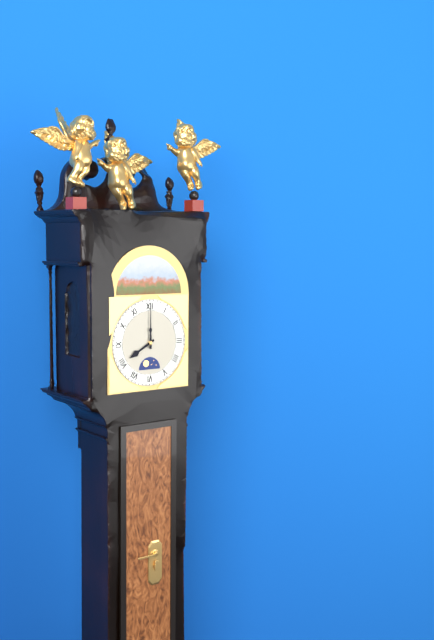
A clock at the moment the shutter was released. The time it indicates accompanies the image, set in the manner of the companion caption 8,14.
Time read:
8,00
